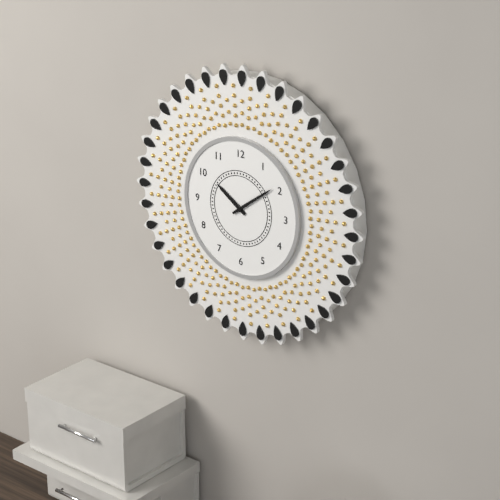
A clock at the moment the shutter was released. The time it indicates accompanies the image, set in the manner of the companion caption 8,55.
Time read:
10,09
